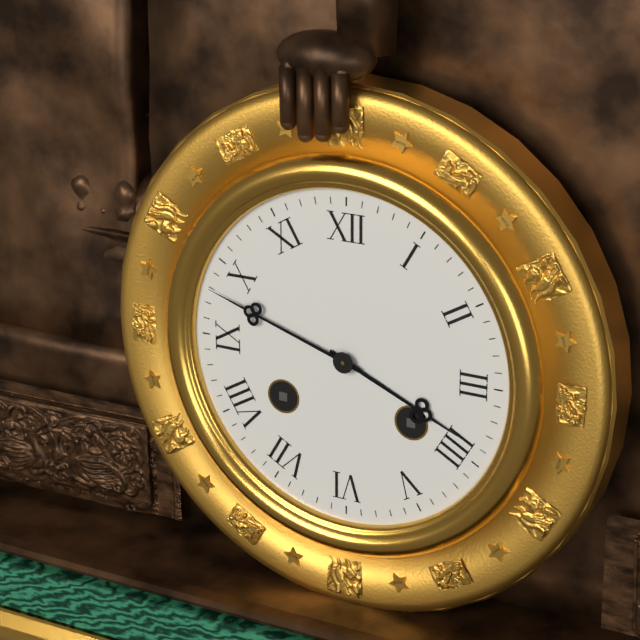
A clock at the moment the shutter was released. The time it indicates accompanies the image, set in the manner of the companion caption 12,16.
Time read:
3,48
